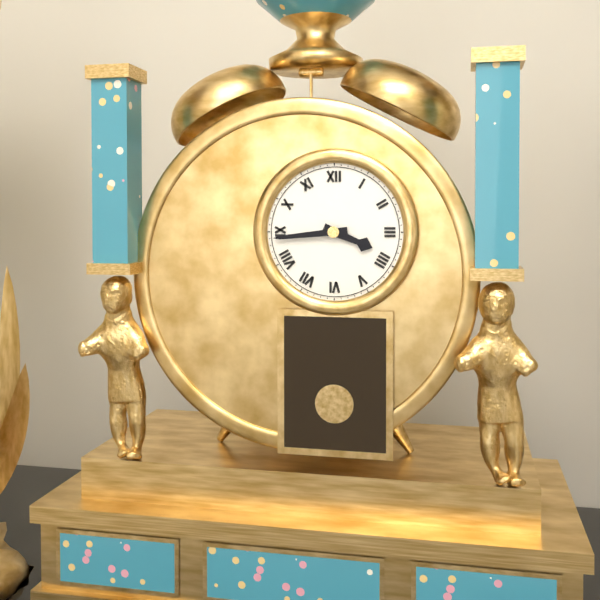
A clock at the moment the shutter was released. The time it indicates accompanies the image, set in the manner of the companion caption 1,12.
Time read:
3,44
